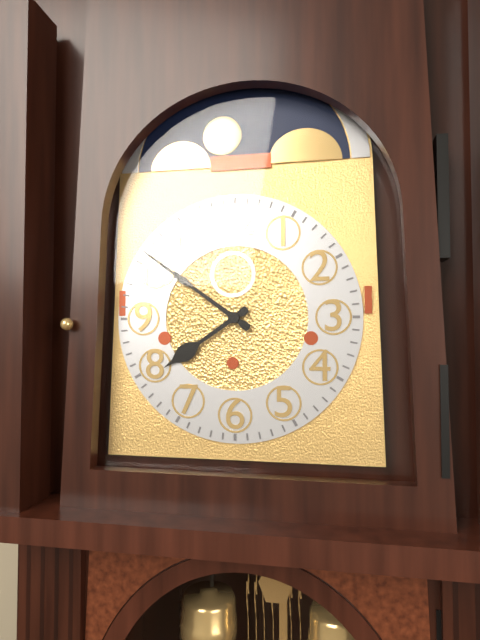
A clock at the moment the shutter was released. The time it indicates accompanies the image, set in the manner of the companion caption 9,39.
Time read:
7,51
